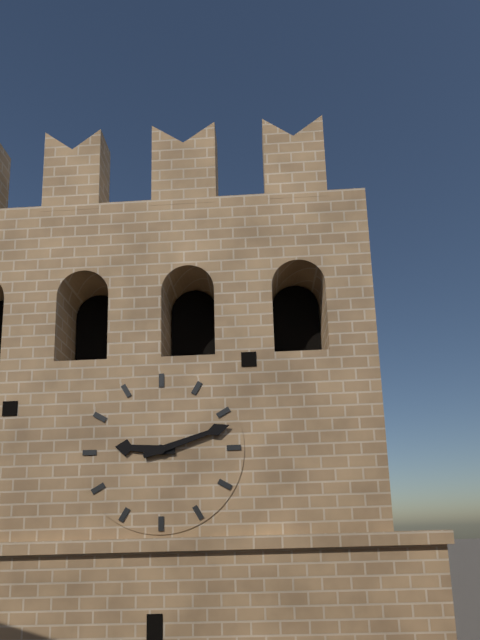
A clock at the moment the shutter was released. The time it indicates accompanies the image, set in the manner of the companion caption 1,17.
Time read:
9,12
